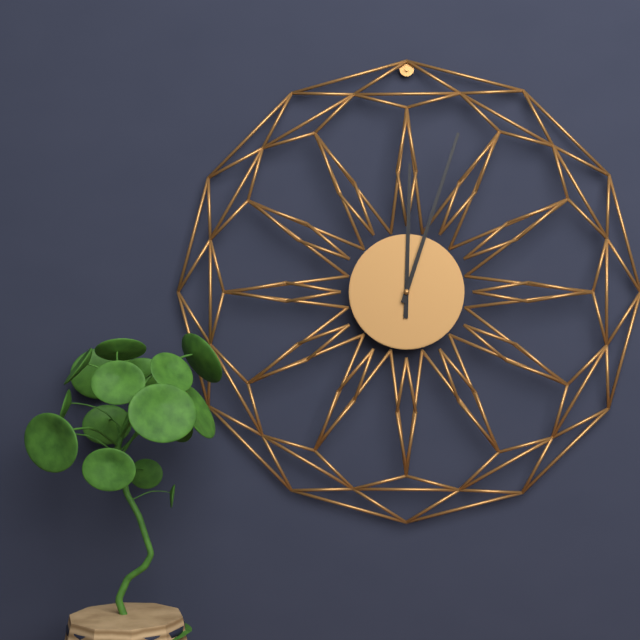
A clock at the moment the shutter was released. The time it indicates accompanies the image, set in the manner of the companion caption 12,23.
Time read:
12,03
